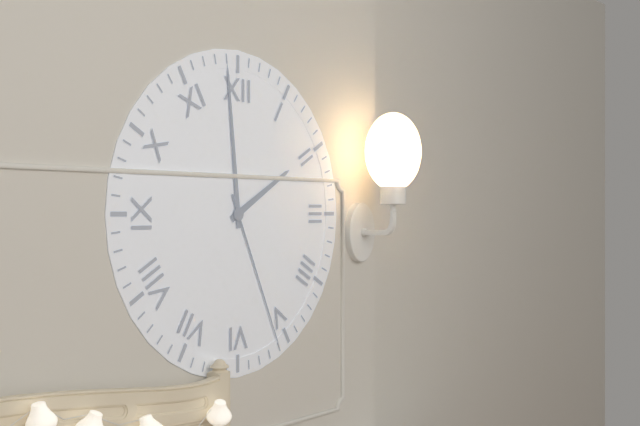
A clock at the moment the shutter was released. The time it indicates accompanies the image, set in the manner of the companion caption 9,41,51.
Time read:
1,59,26
